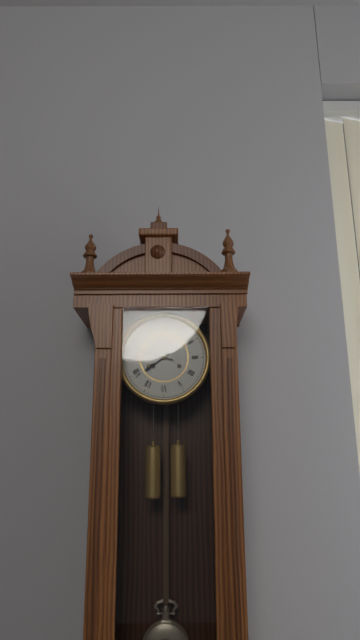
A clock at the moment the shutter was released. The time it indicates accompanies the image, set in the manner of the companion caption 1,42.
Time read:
7,48
